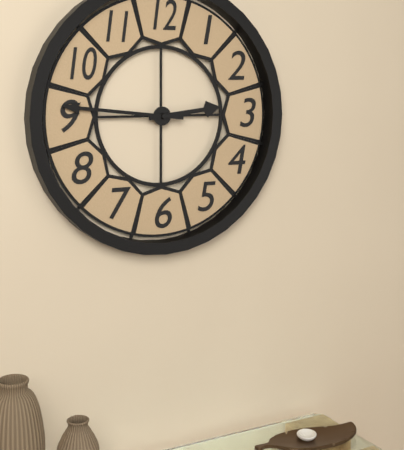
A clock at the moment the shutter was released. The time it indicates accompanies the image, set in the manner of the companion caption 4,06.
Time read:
2,46
